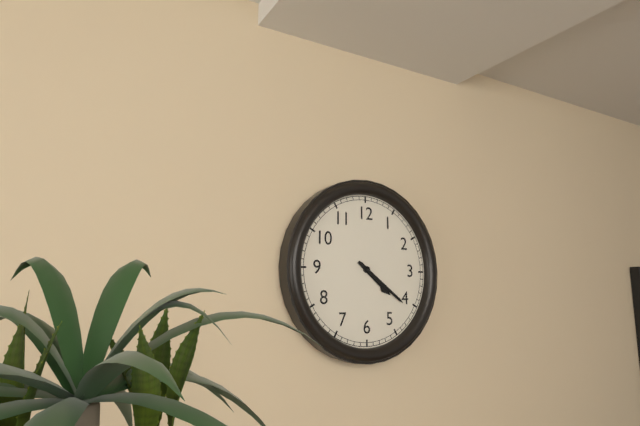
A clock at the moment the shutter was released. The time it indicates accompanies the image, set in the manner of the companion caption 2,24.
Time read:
4,21
